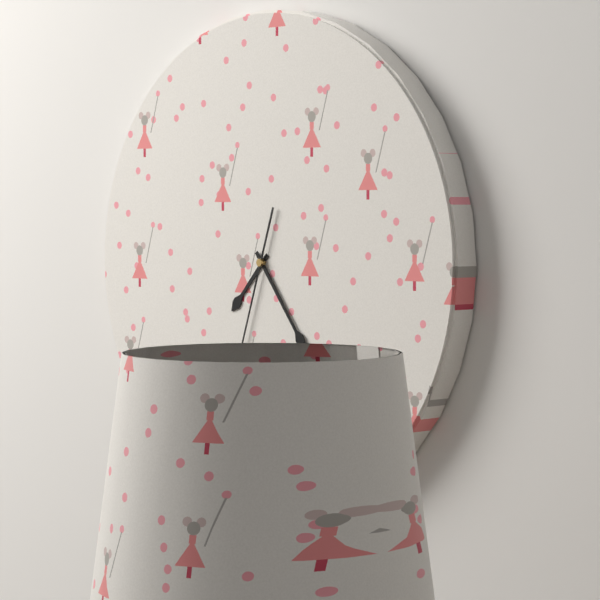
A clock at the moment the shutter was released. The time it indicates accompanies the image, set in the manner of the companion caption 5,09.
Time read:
7,24
